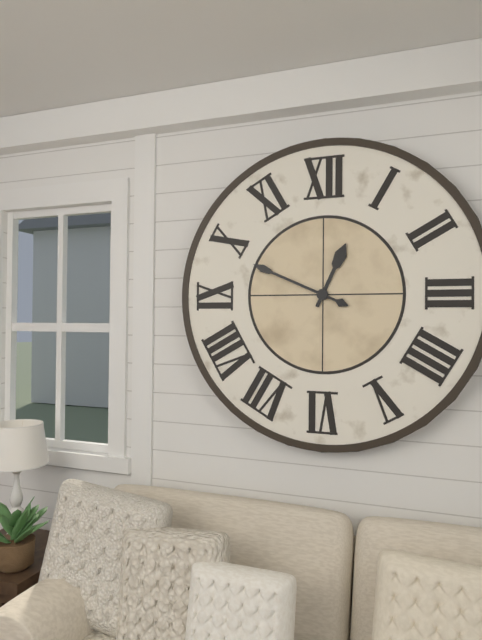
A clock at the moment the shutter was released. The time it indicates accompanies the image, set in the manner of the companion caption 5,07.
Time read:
12,49
